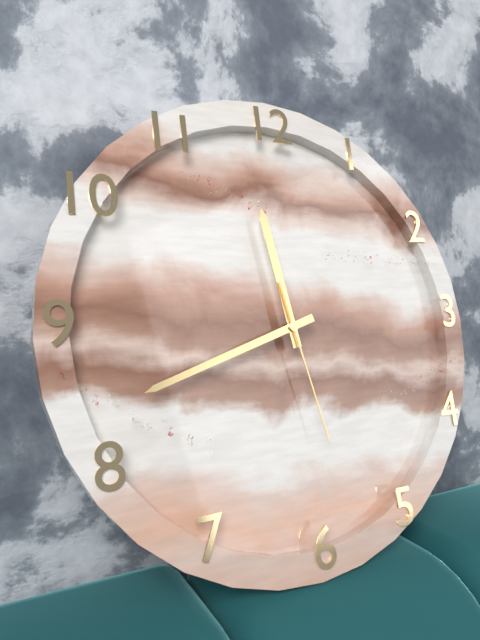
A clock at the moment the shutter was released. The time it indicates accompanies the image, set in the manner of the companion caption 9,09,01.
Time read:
11,42,28
